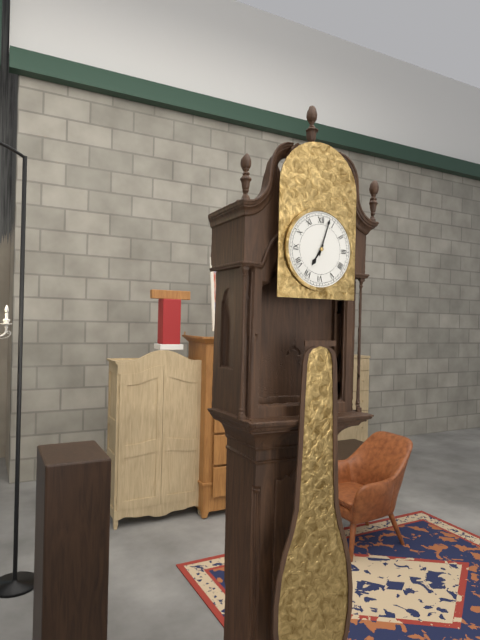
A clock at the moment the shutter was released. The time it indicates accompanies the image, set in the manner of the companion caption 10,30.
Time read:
7,03
